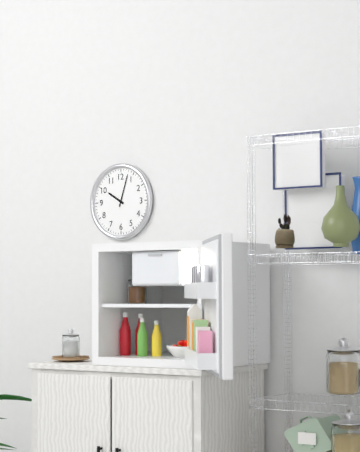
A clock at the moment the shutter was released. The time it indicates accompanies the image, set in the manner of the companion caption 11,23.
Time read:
10,03
